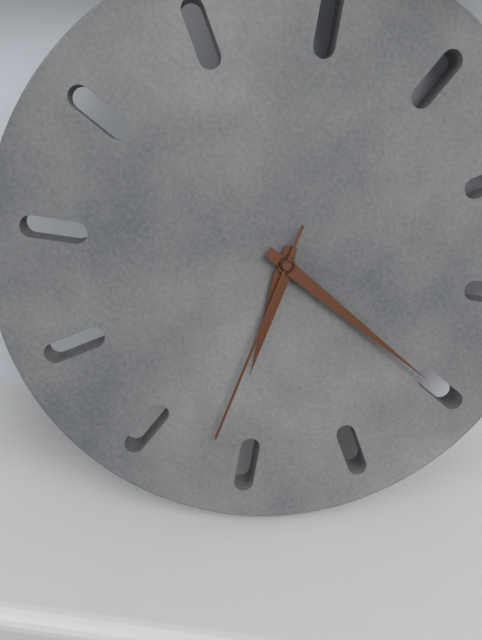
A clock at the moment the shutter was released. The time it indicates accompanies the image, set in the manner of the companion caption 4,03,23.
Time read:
5,15,27
